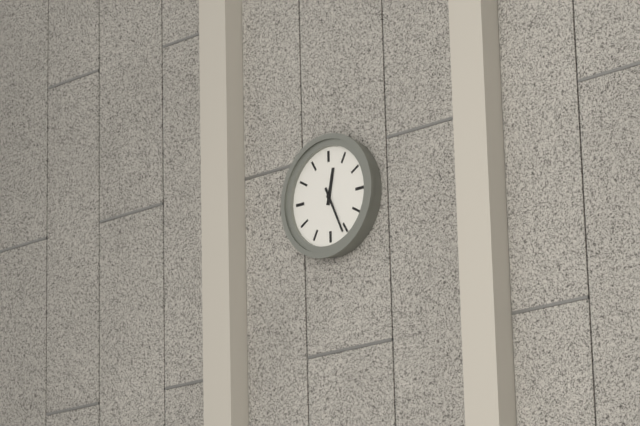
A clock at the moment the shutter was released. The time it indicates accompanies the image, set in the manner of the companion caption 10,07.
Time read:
12,26
